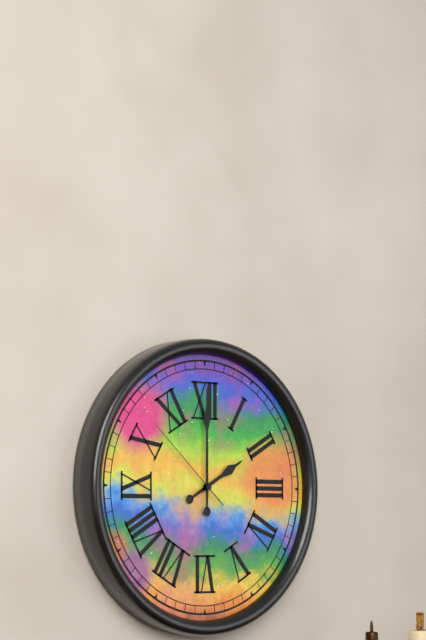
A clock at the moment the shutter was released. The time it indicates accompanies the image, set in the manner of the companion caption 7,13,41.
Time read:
2,00,52
